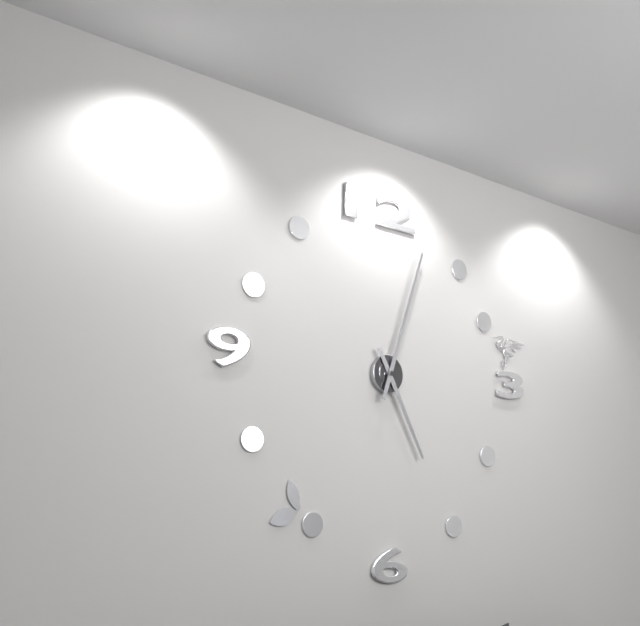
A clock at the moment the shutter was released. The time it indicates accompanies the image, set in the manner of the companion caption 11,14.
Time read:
5,03
